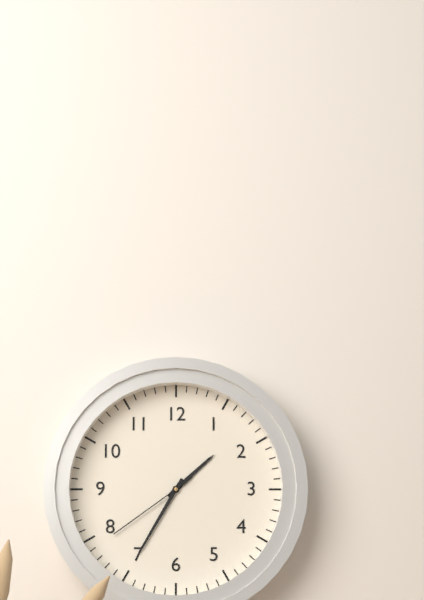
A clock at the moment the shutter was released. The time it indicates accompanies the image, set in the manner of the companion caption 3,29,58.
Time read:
1,35,39
